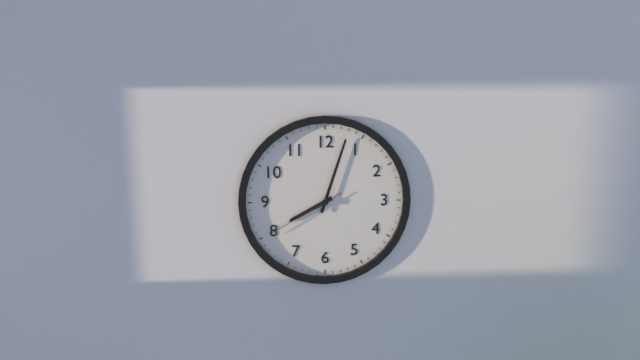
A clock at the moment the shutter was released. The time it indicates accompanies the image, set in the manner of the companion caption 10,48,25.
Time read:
8,03,40
